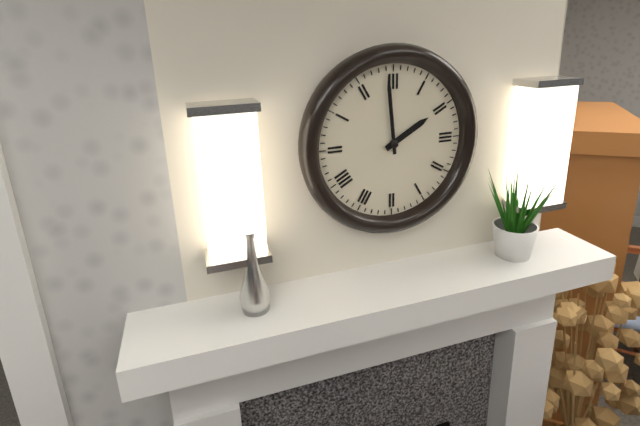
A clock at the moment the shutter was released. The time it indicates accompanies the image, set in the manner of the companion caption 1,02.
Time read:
1,59
